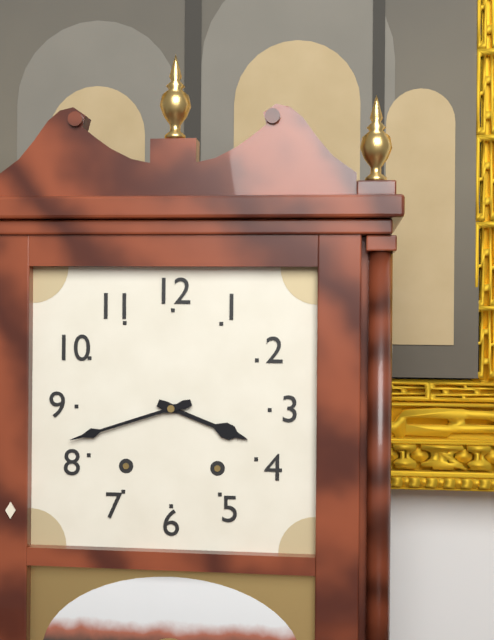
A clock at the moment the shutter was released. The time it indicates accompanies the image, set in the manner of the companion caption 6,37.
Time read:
3,42
